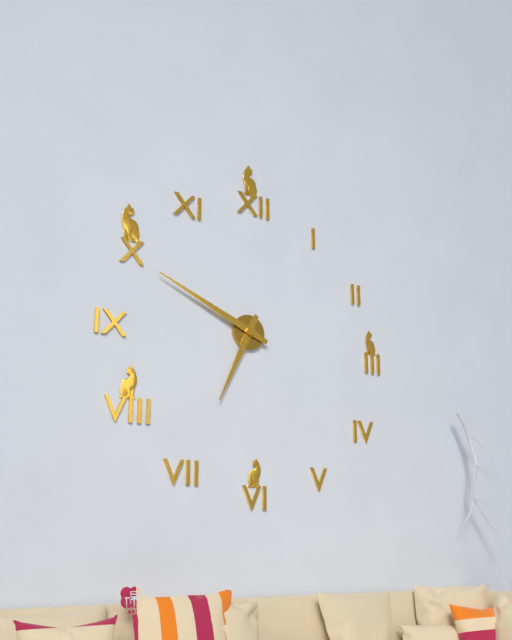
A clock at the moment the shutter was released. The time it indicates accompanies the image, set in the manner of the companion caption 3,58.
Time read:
6,49
